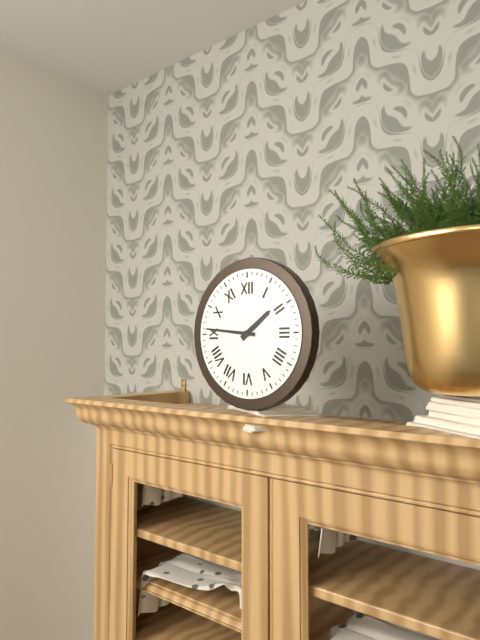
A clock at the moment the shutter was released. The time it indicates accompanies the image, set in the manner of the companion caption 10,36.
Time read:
1,46
